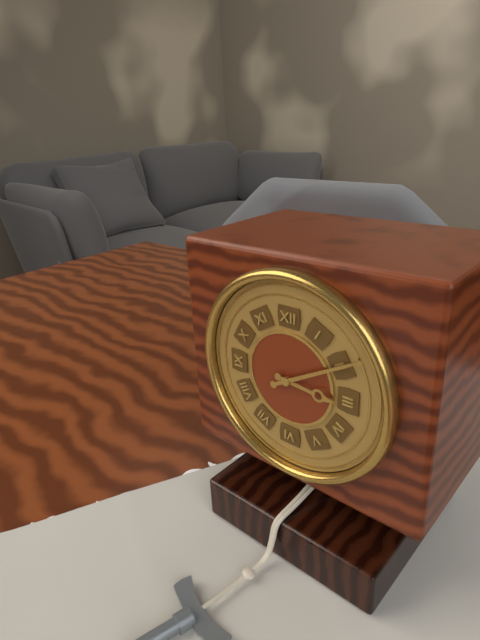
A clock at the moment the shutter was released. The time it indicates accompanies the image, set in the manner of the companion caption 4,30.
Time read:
3,10
